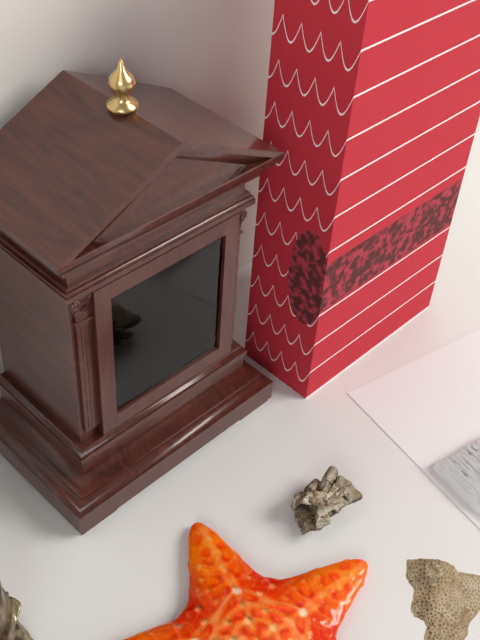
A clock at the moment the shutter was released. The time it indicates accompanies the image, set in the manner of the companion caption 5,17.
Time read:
7,01
